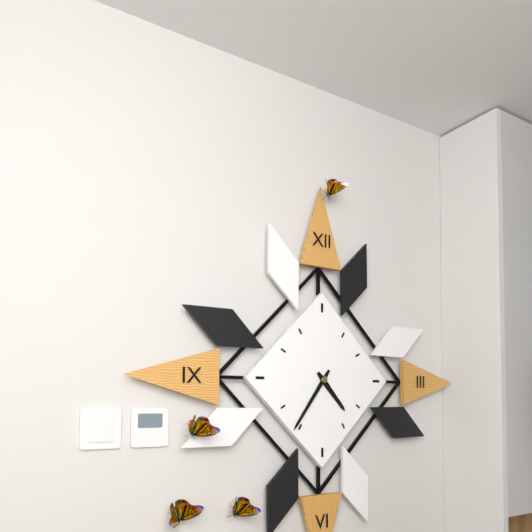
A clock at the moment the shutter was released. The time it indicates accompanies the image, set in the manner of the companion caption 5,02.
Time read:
4,36
